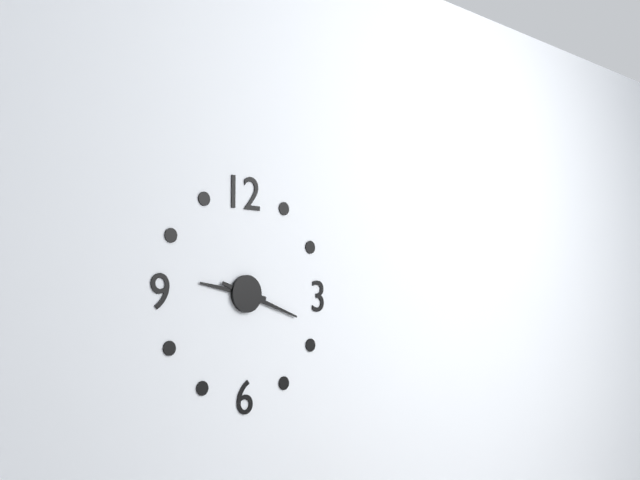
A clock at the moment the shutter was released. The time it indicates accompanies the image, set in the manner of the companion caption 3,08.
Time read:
9,18
